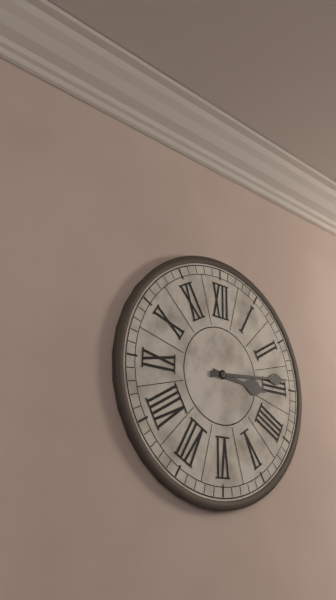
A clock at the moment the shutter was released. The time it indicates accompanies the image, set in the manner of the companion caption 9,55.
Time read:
3,14
